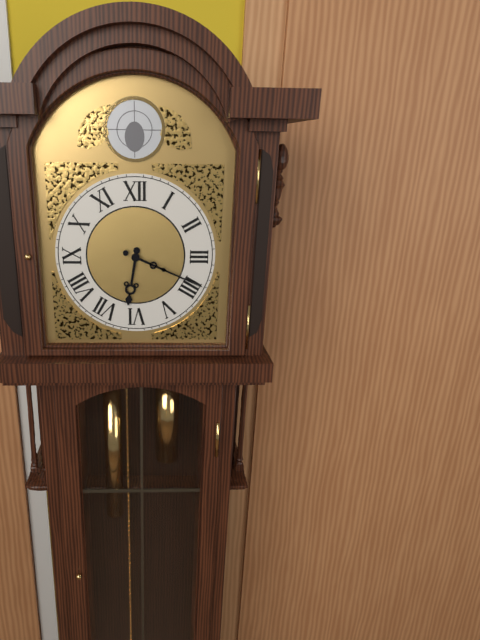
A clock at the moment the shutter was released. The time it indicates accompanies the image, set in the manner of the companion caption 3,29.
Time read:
6,19
